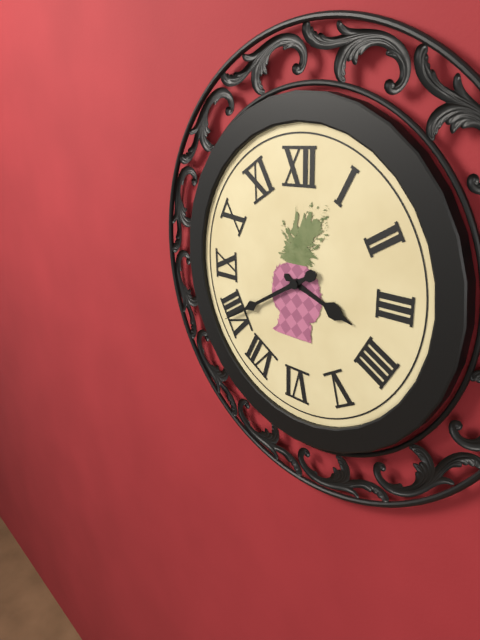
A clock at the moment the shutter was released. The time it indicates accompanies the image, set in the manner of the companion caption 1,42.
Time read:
3,40
